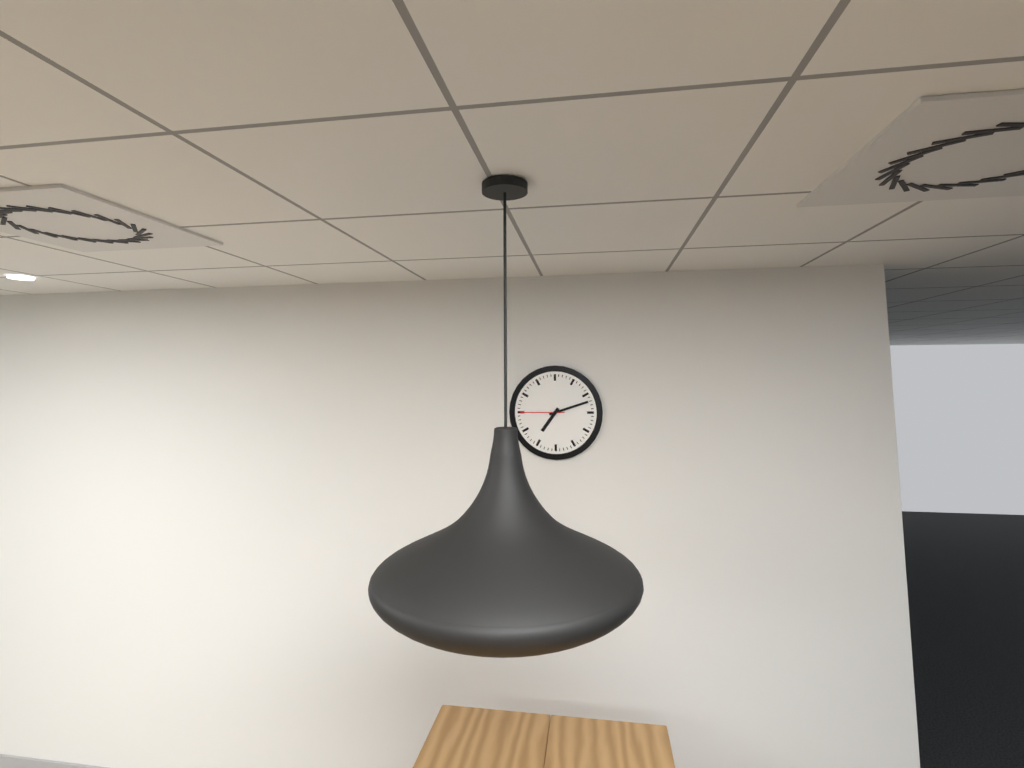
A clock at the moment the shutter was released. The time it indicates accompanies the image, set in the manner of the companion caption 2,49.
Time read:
7,12
